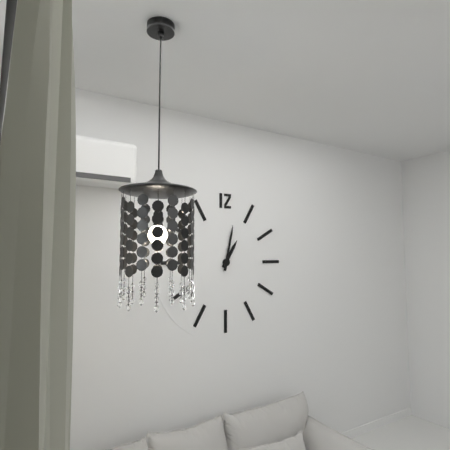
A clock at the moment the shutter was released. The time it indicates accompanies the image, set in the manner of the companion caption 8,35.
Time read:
1,02
